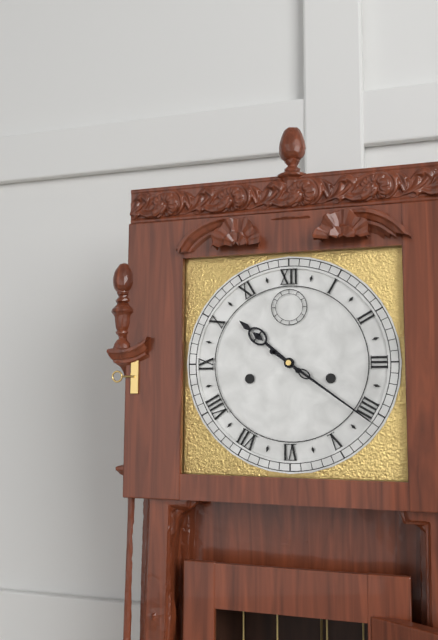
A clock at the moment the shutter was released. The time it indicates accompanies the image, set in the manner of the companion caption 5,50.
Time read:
10,21
